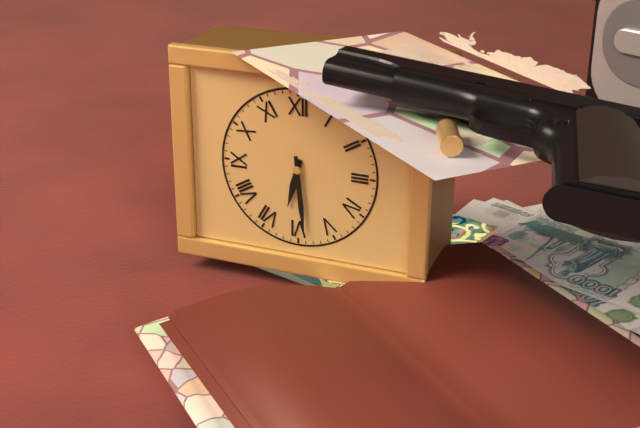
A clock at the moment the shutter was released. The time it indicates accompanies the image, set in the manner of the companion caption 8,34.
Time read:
6,29
